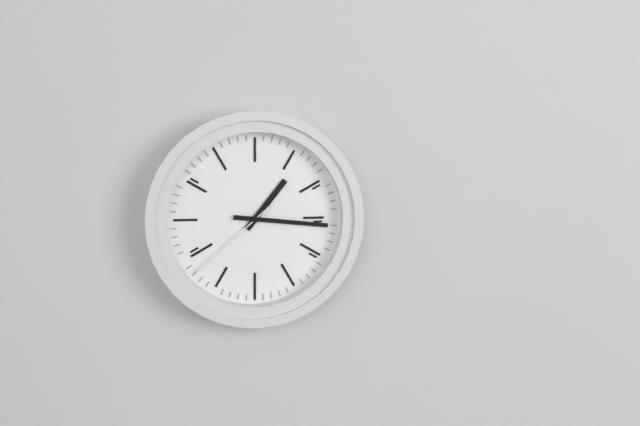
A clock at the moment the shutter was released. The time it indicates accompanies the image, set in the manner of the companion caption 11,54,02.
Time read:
1,16,38
